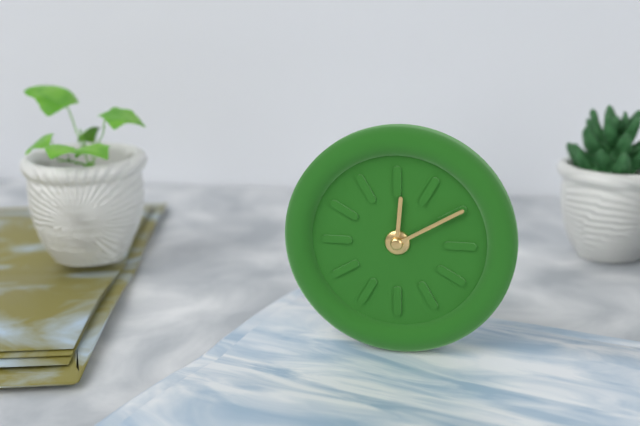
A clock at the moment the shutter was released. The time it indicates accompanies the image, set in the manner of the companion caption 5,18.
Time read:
12,10
